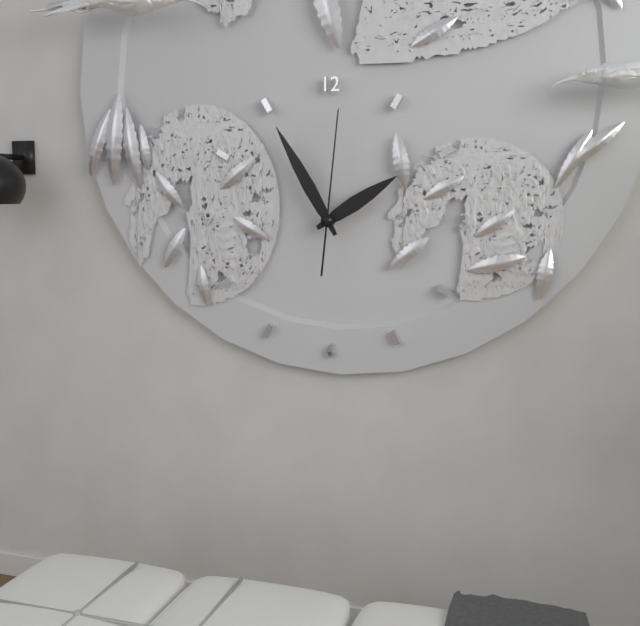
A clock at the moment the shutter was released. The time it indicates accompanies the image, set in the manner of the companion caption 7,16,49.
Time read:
1,55,01
